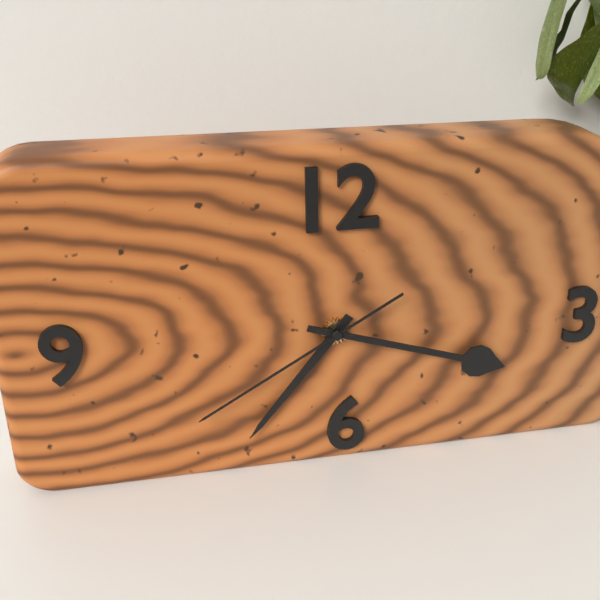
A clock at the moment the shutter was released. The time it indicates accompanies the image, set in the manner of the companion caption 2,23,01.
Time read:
7,18,40
